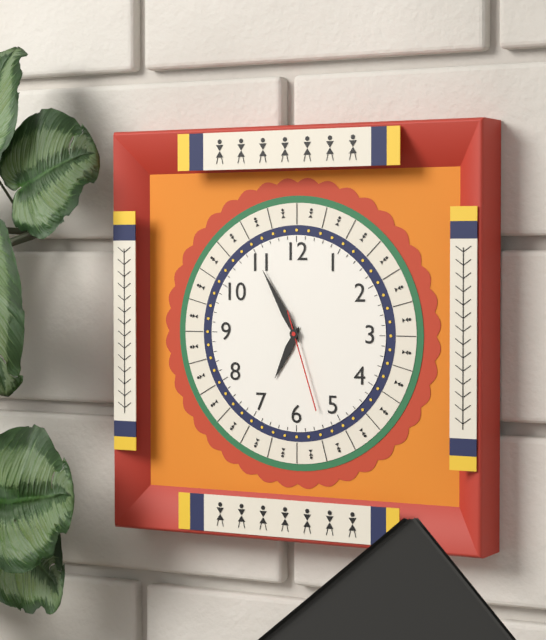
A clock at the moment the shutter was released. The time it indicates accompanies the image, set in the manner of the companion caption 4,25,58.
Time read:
6,55,27
